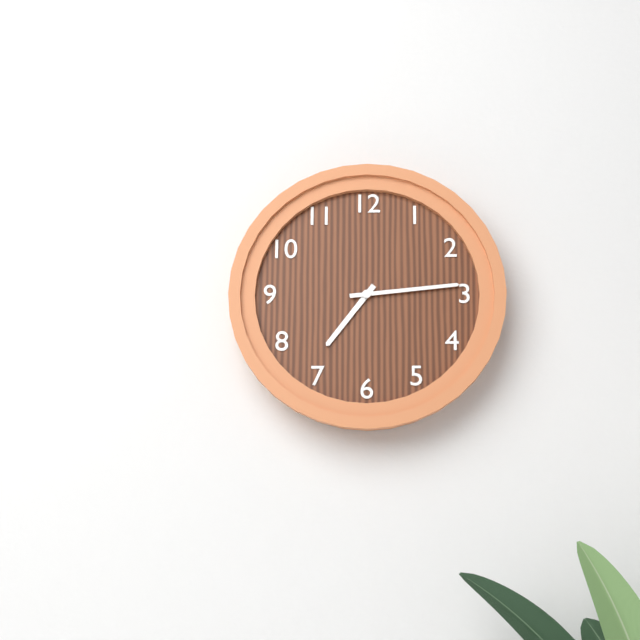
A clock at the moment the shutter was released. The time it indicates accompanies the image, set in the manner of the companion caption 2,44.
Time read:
7,14
